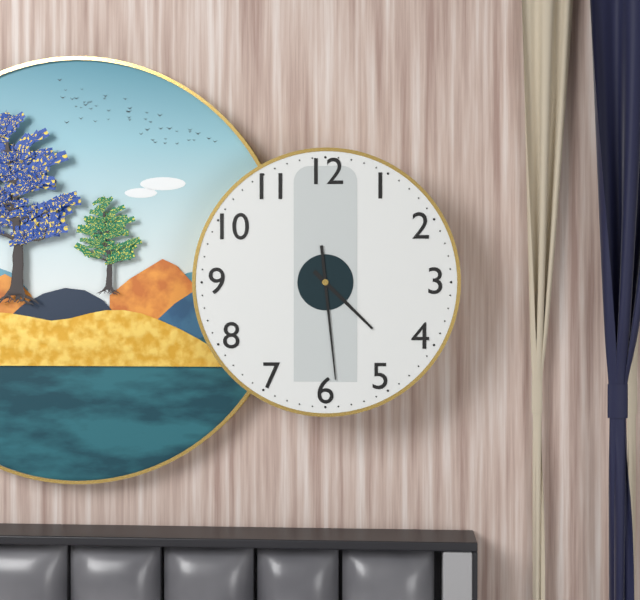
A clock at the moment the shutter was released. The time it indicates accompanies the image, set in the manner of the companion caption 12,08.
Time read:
4,29
